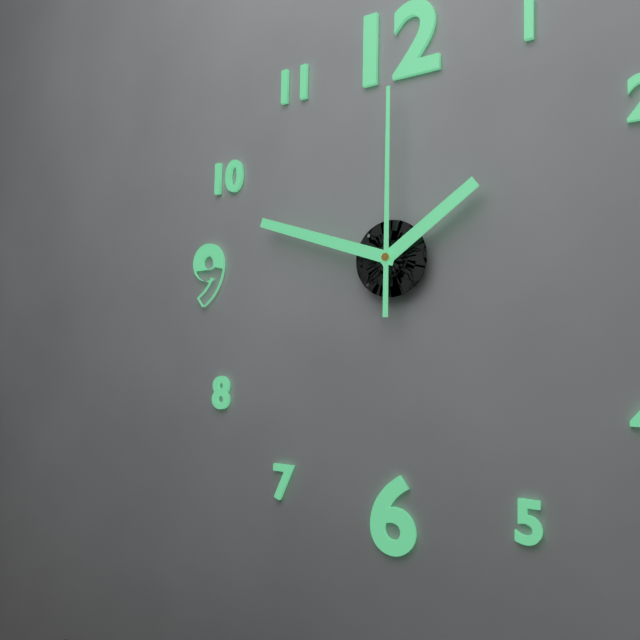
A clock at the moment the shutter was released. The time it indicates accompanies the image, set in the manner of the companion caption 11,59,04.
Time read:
1,48,00
